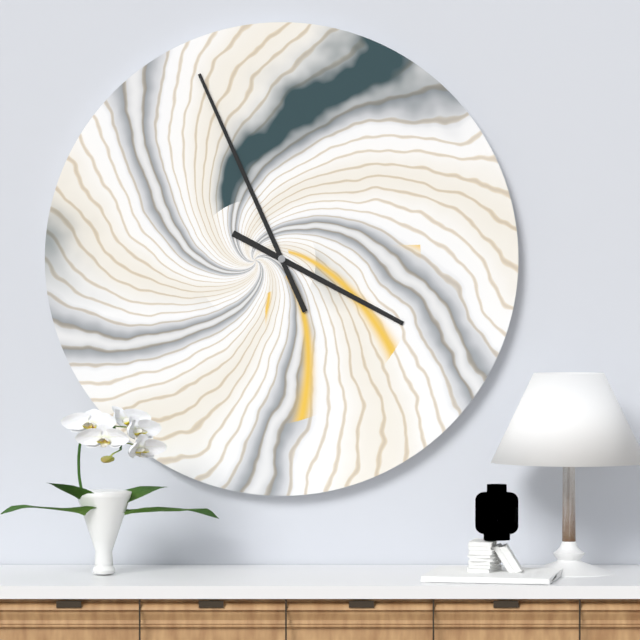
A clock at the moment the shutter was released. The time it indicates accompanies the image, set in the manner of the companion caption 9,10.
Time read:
3,56
